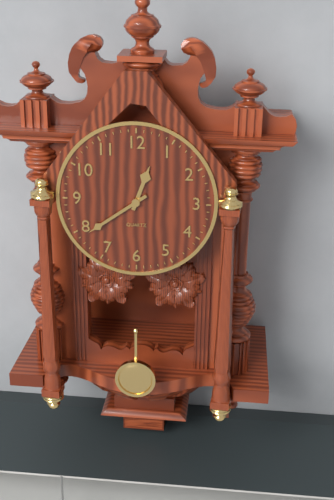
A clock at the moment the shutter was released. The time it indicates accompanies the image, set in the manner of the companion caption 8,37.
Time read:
12,39
